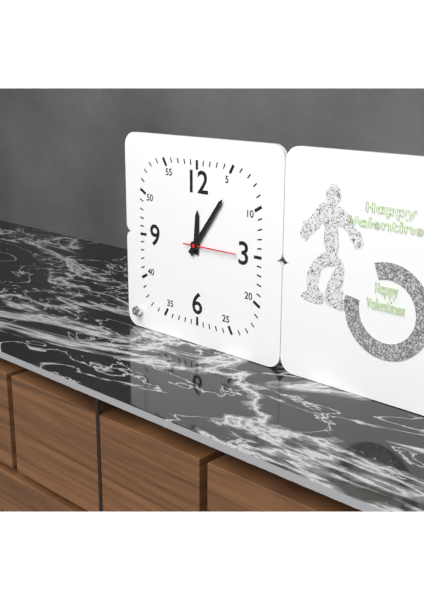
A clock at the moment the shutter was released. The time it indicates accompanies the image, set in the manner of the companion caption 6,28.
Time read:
12,06
